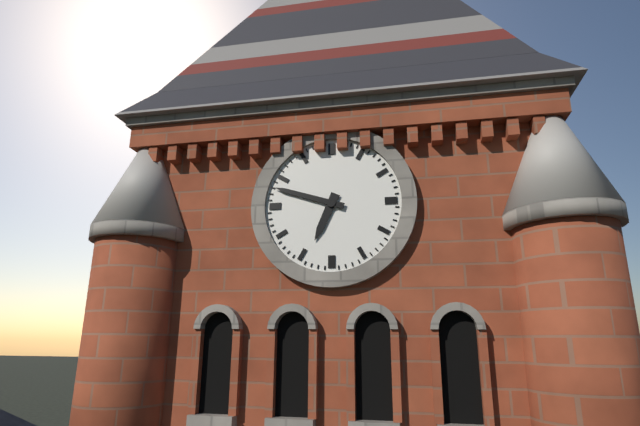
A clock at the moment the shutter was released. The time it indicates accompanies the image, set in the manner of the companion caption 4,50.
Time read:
6,48
